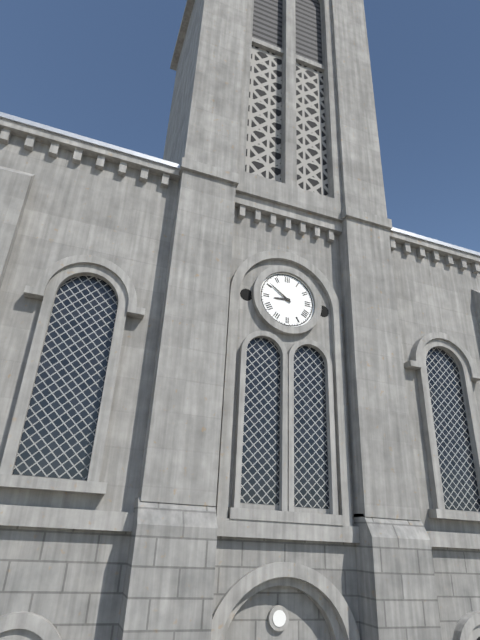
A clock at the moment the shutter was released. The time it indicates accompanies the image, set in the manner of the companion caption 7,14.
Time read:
8,51
